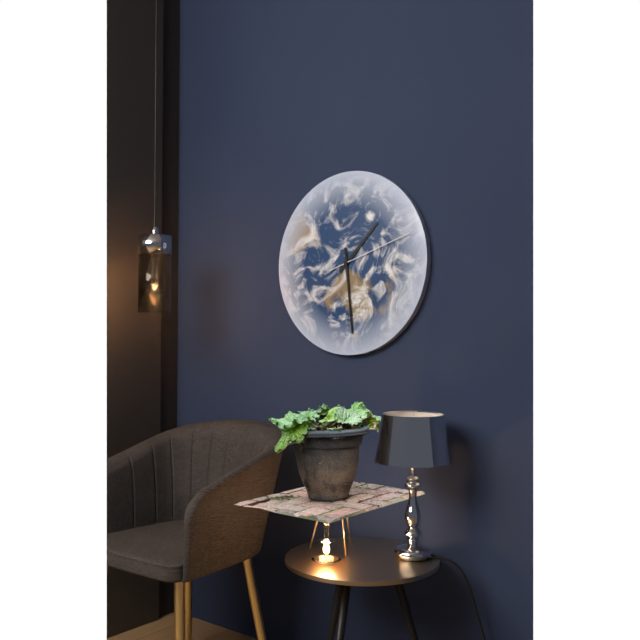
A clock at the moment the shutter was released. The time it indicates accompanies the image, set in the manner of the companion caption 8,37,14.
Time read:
1,29,12
